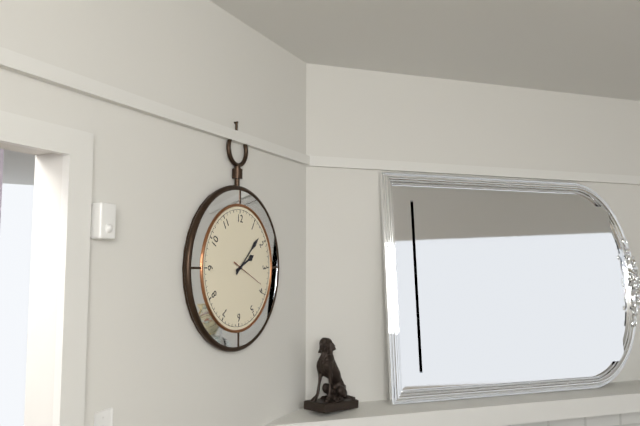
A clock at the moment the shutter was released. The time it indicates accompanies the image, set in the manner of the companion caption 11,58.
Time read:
2,08
